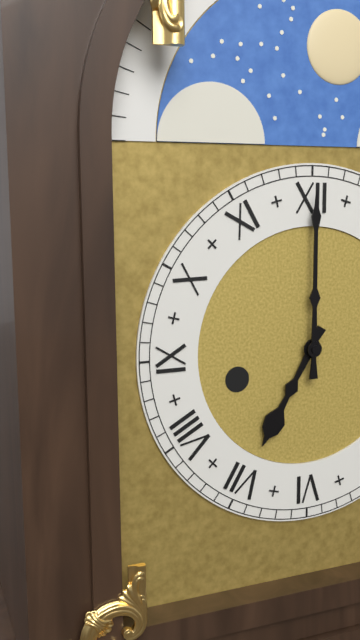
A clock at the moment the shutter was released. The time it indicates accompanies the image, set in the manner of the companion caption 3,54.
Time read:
7,00
